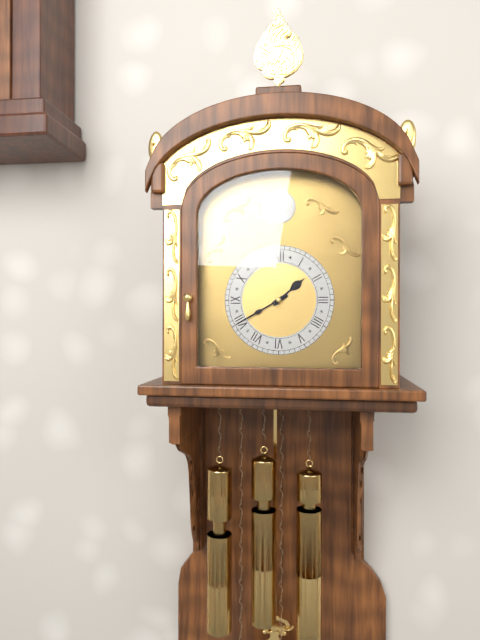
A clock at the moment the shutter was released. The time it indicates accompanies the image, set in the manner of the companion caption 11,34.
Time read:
1,40
